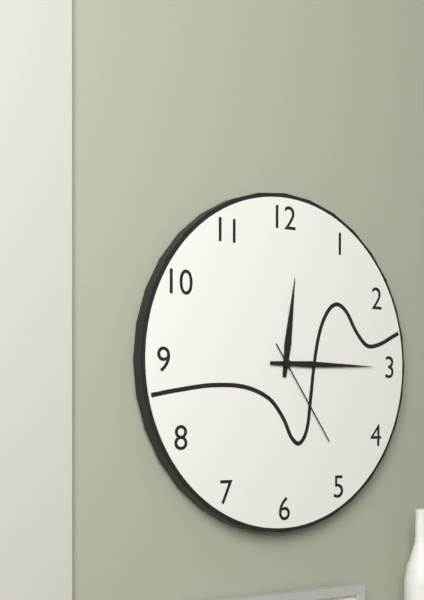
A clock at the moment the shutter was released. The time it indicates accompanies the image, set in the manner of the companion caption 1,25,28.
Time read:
12,15,24
